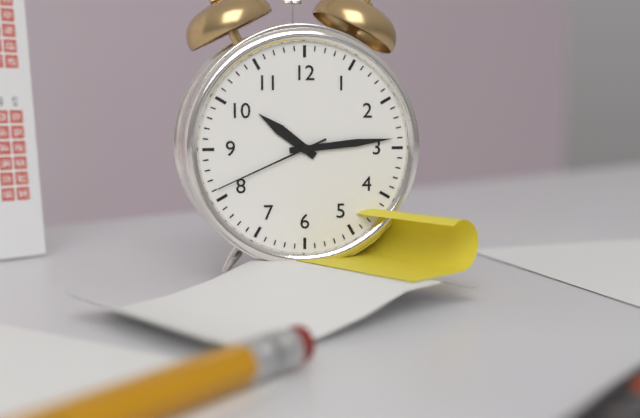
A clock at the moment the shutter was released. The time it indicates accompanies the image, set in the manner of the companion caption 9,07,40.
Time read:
10,14,41
